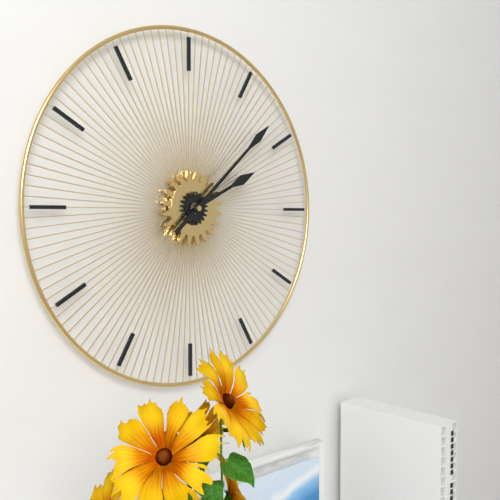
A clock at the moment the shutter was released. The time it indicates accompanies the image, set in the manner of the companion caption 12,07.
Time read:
2,08
